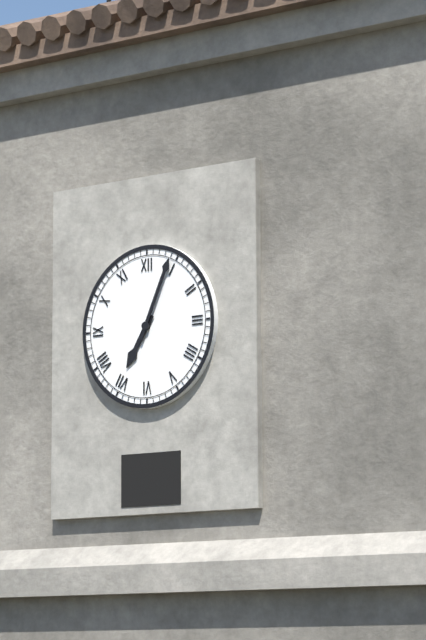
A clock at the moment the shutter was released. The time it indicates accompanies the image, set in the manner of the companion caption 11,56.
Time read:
7,04
